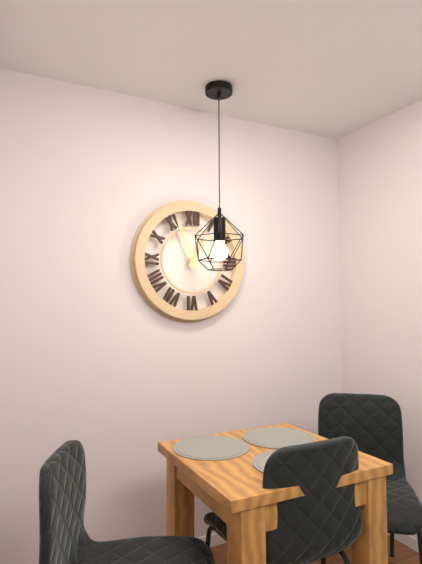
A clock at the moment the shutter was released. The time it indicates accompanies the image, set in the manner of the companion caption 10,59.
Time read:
12,56
